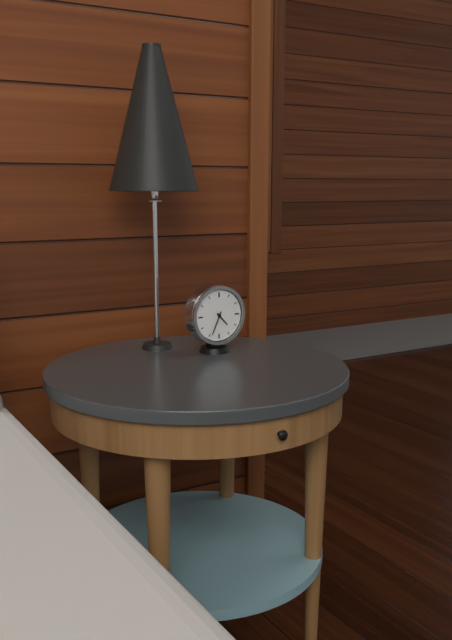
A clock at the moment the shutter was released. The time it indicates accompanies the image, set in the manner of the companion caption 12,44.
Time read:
4,34
